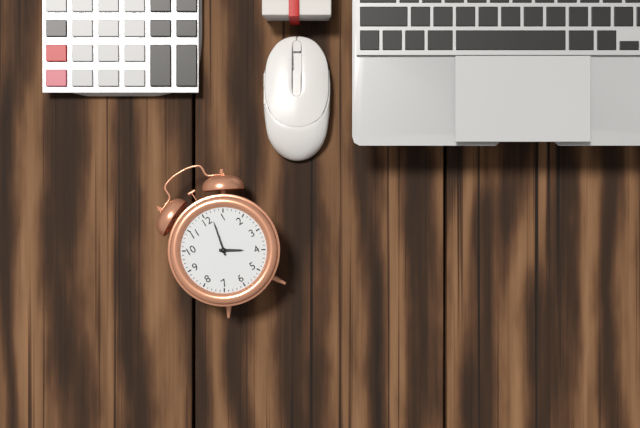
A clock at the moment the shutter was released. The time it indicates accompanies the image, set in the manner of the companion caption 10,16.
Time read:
4,02
